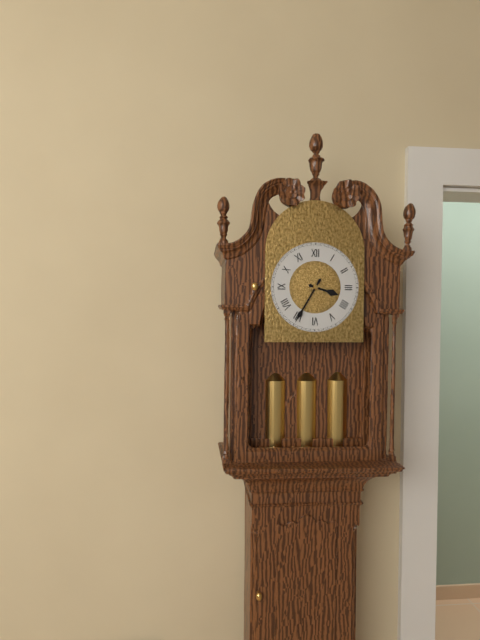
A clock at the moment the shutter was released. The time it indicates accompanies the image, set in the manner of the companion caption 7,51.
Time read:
3,35
